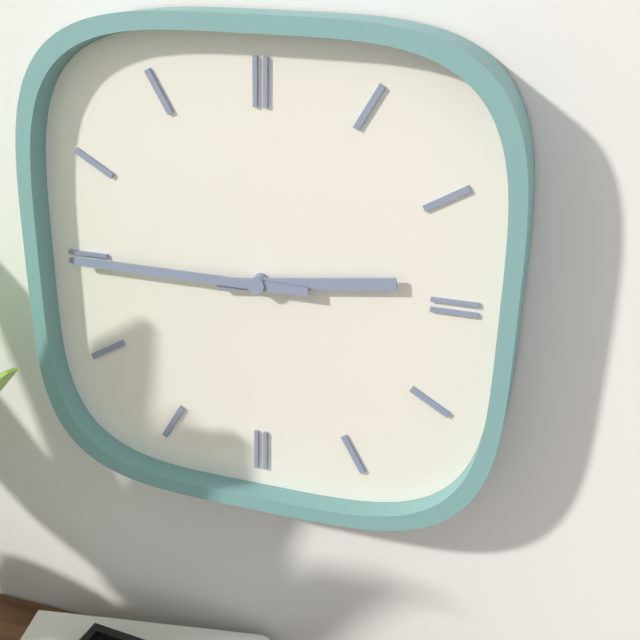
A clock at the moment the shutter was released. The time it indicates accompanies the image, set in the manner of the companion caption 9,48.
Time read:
2,45
